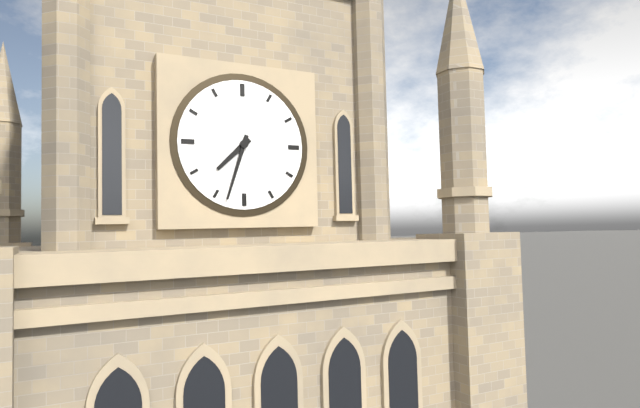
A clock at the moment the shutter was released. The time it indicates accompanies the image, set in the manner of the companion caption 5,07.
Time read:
7,33
